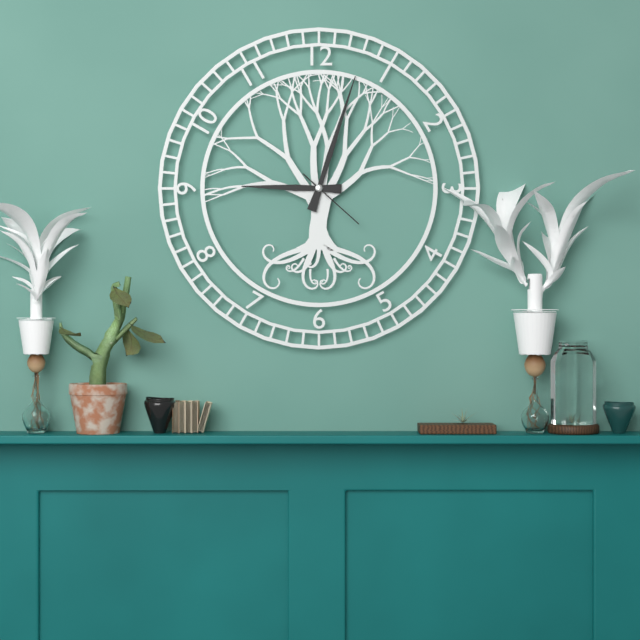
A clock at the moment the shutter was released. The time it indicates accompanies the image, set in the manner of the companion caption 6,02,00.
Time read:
9,03,22
